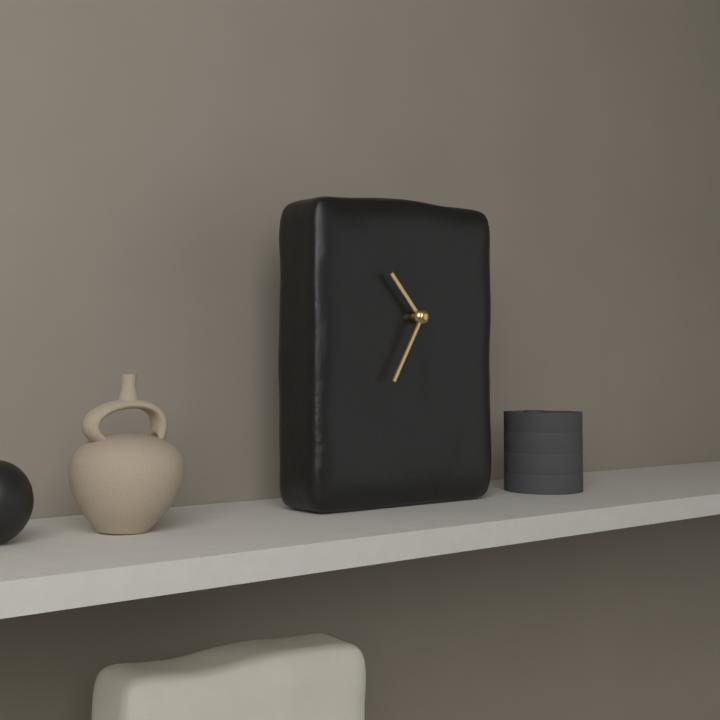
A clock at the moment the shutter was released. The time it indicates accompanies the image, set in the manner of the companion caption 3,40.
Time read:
10,35
